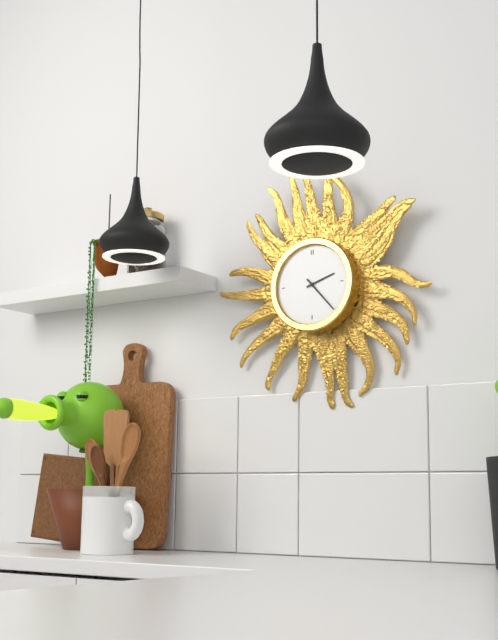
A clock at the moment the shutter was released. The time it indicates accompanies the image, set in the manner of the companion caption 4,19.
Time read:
2,23
